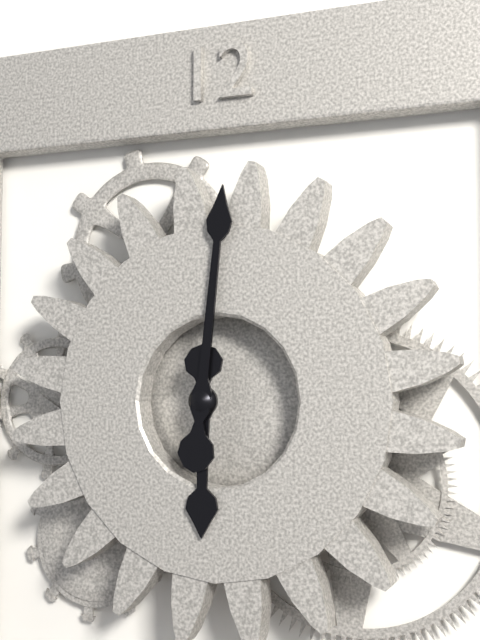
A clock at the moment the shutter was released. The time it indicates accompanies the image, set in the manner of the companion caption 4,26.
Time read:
6,01
